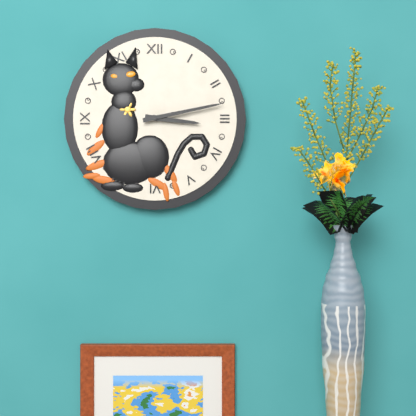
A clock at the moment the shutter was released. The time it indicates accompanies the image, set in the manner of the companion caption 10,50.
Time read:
3,13
